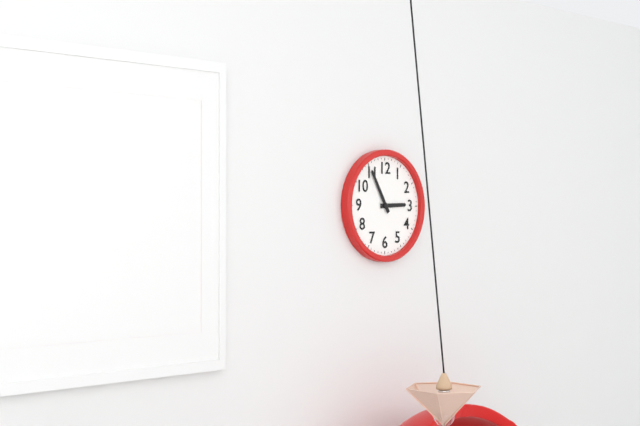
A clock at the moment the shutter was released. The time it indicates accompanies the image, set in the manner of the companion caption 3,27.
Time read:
2,55
